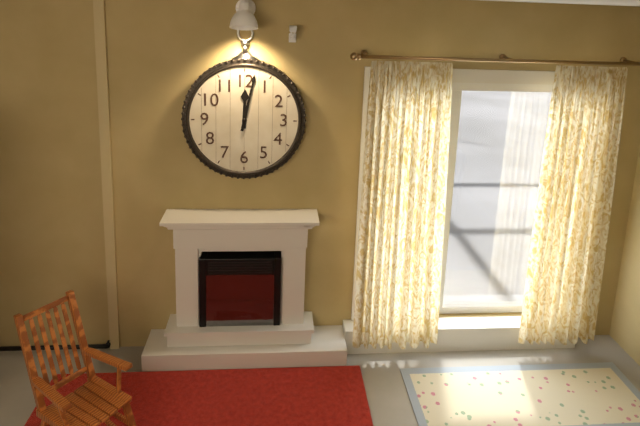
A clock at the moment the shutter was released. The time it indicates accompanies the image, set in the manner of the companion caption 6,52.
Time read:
12,02
